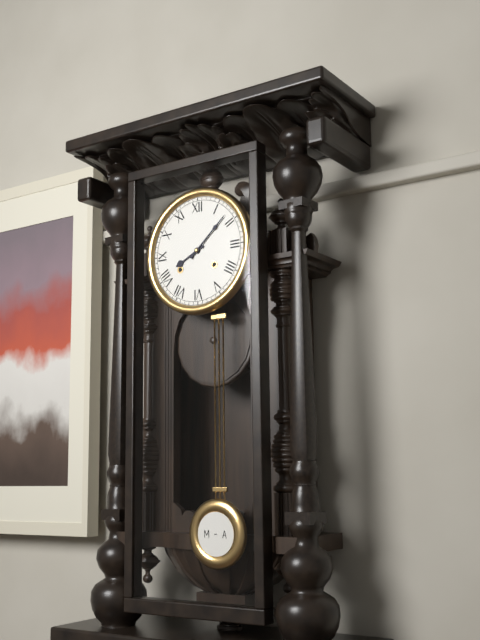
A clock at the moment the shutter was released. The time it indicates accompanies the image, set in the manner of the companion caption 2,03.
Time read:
8,08
